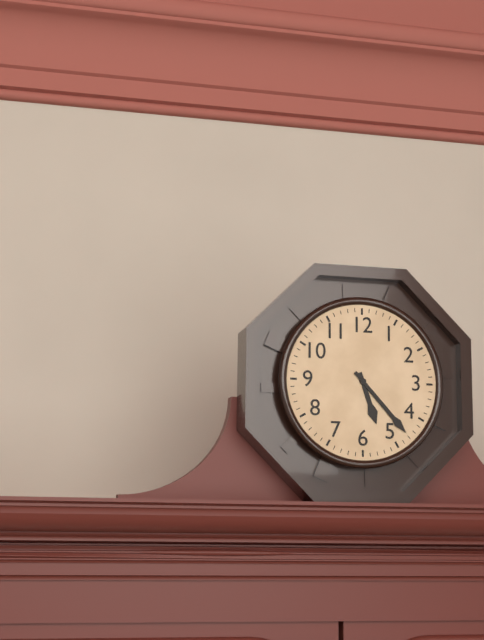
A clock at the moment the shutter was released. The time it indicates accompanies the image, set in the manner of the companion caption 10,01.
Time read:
5,23
